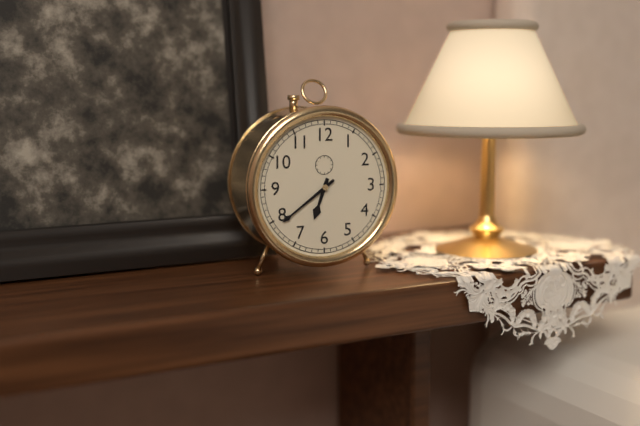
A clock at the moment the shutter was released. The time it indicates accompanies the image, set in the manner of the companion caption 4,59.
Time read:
6,39
